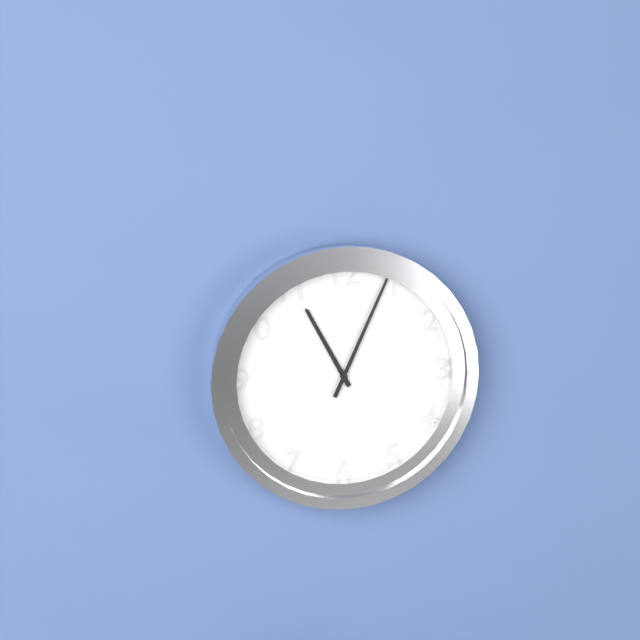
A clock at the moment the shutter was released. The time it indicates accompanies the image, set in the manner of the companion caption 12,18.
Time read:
11,04
